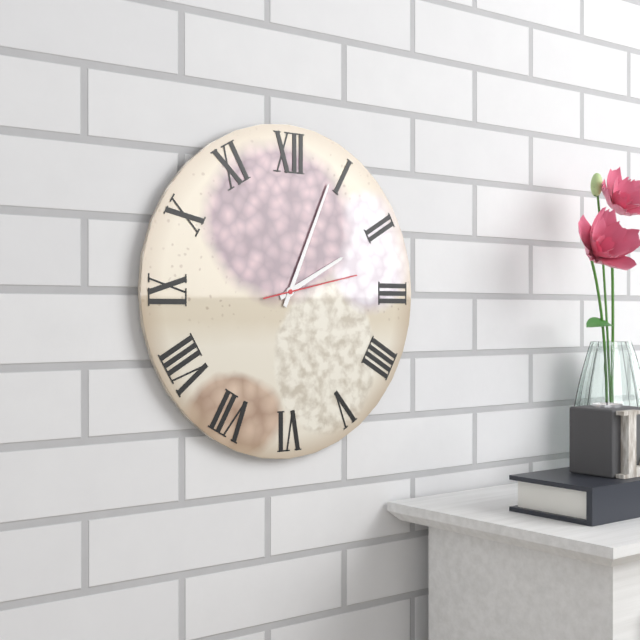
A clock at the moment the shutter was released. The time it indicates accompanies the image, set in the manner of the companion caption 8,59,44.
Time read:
2,04,13
